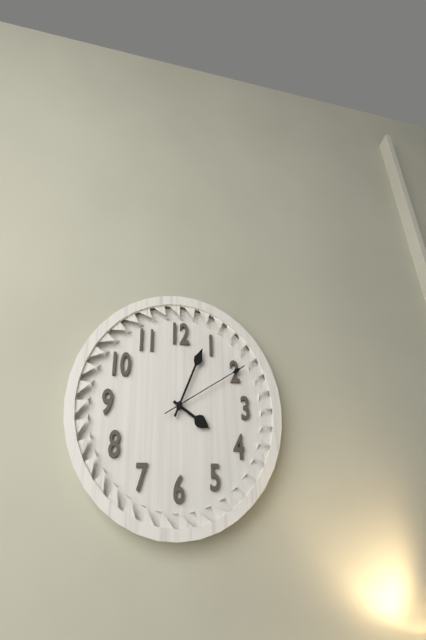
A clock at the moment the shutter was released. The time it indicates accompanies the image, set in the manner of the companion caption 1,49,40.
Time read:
4,04,10
